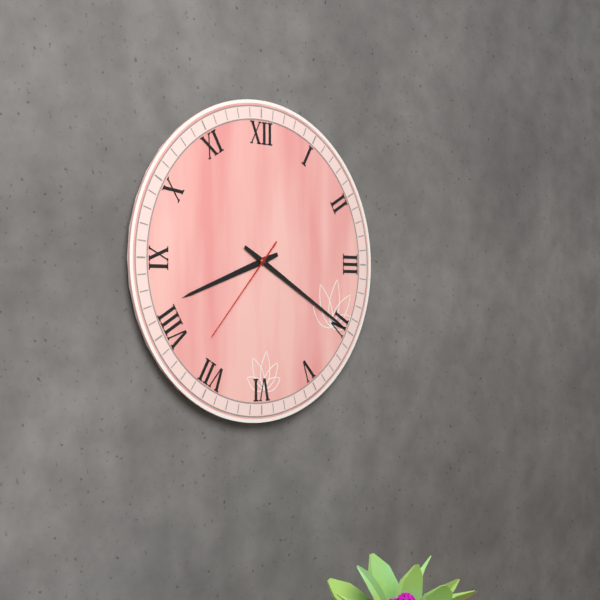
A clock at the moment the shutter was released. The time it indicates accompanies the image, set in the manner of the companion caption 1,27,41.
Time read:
8,20,37
